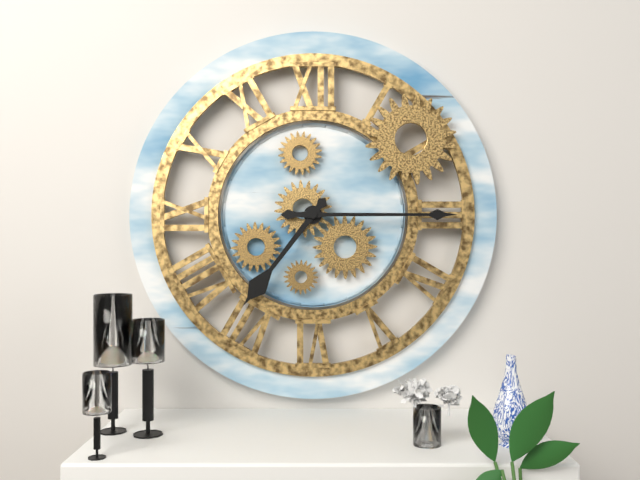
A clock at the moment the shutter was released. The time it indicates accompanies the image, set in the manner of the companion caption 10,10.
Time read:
7,15
